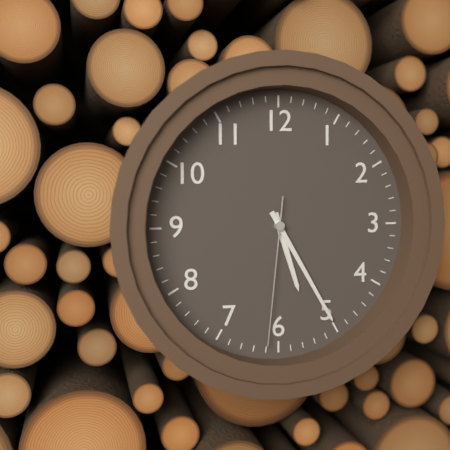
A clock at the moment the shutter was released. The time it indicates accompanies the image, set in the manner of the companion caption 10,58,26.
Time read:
5,25,31
